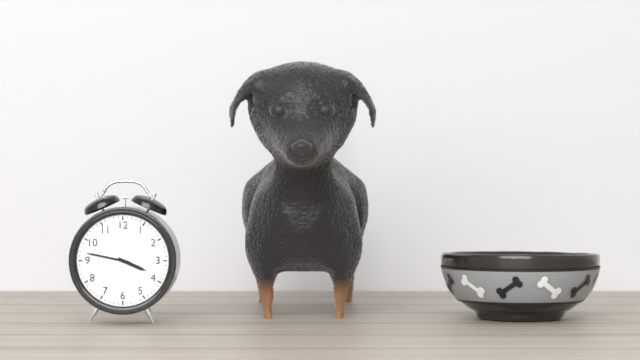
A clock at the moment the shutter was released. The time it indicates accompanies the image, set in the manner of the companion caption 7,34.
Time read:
3,47
